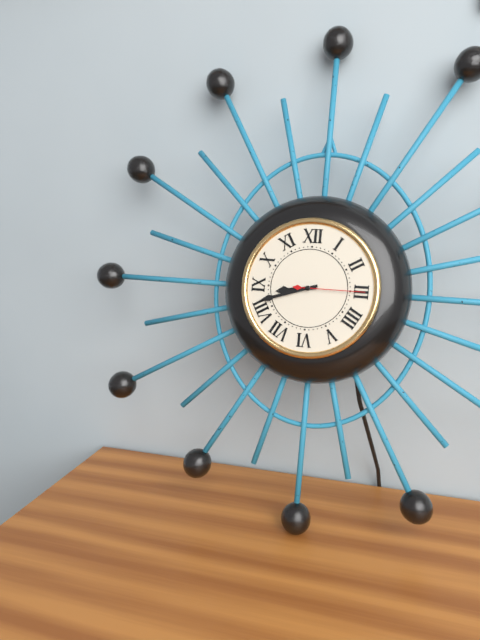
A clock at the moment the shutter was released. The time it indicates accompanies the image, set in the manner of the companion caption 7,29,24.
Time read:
8,42,15
